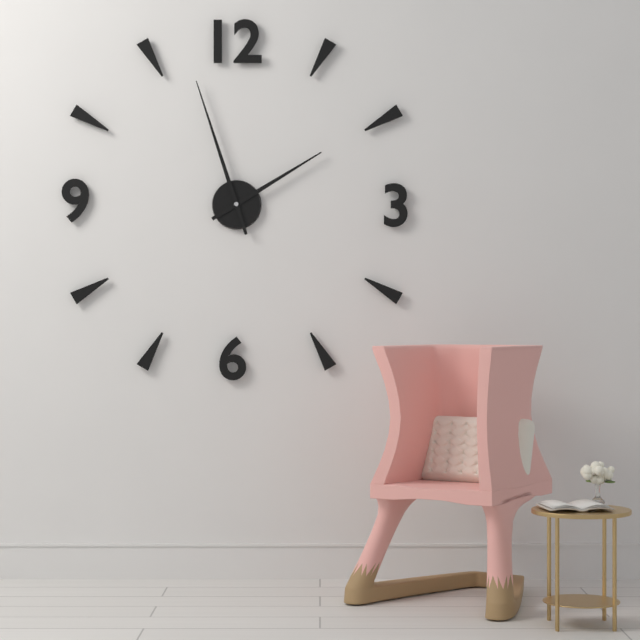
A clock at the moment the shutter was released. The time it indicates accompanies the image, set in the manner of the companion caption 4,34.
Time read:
1,57
